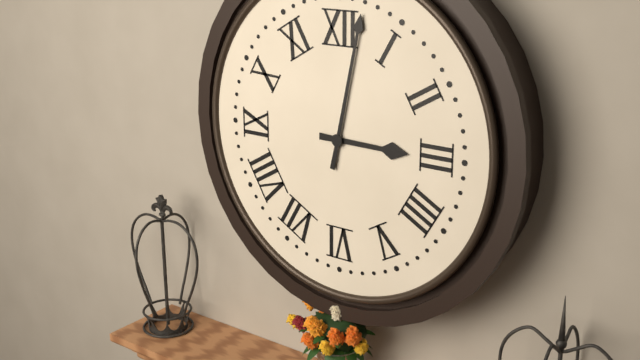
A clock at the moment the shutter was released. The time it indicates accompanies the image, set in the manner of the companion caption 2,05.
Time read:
3,02
